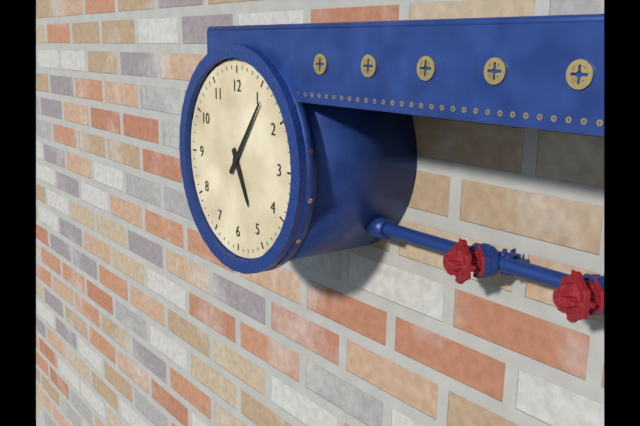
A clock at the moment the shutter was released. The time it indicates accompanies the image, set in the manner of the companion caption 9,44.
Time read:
5,06
